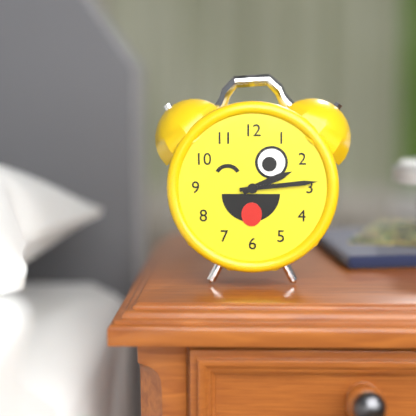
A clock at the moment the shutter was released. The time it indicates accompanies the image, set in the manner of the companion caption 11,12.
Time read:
2,14
